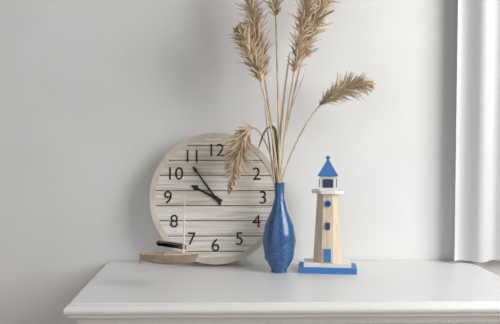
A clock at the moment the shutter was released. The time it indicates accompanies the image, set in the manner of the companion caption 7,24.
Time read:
9,54
